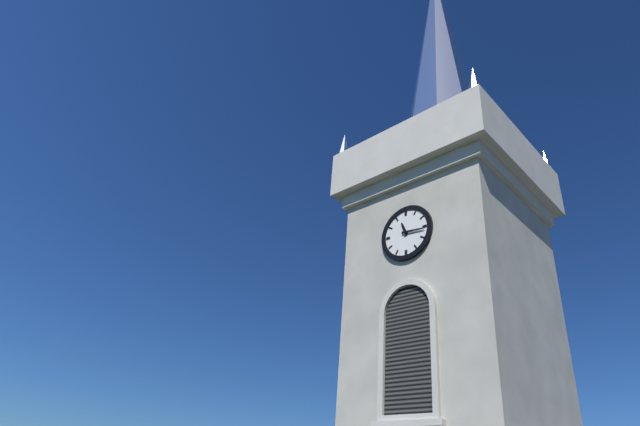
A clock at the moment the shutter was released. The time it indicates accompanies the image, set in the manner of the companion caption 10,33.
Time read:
11,16
